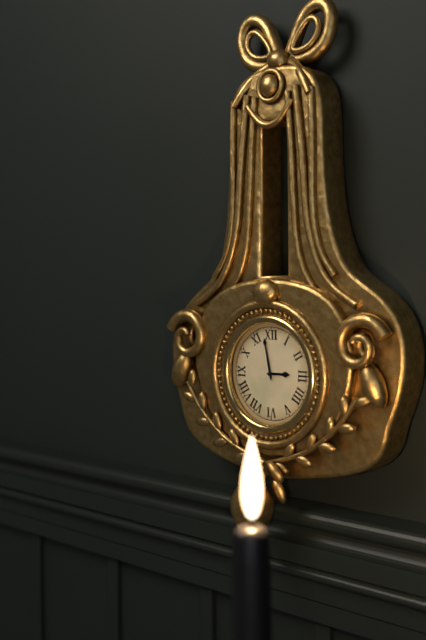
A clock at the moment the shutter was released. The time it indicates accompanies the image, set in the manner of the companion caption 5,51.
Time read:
2,58
